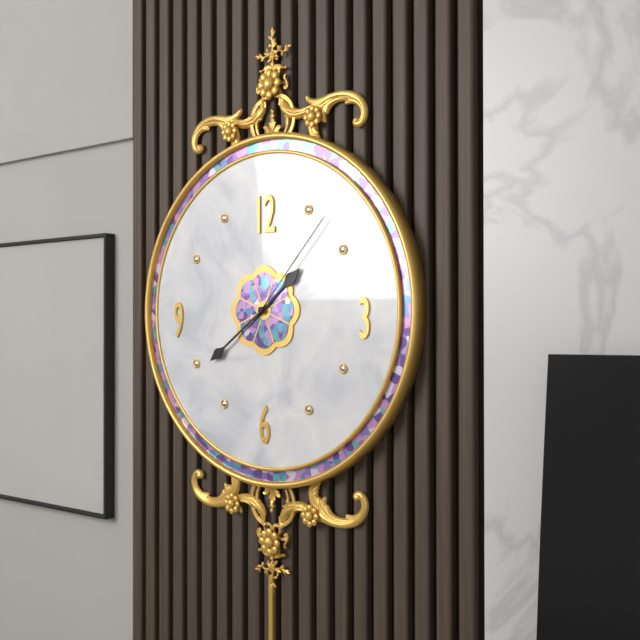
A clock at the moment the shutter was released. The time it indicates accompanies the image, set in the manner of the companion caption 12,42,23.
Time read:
1,39,07
